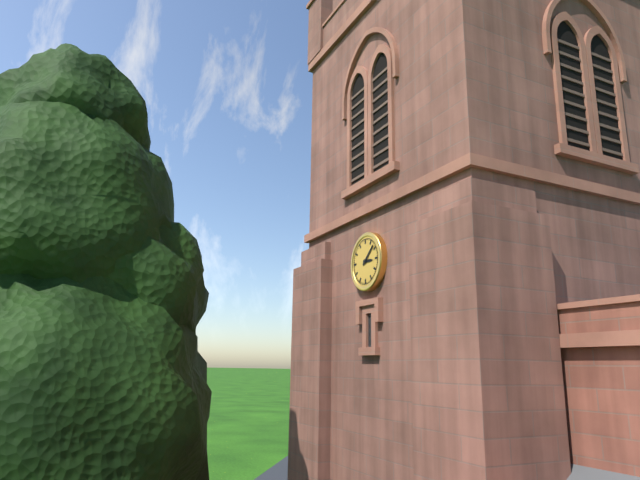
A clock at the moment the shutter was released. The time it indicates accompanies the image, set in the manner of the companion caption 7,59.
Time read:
3,08
